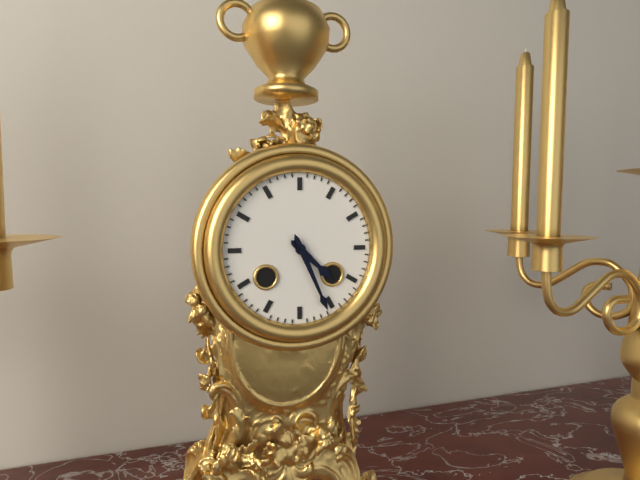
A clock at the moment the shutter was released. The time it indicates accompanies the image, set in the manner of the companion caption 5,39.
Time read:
4,26
